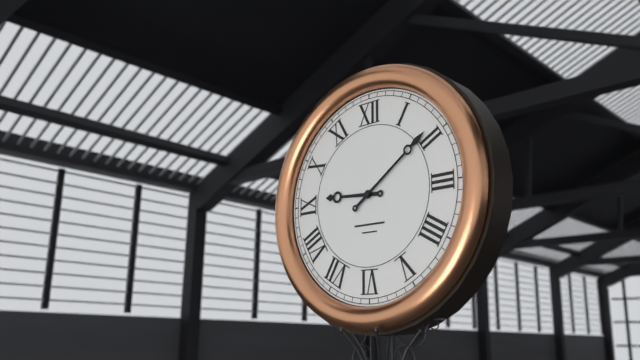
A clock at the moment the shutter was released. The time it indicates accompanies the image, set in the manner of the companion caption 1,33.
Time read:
9,09
